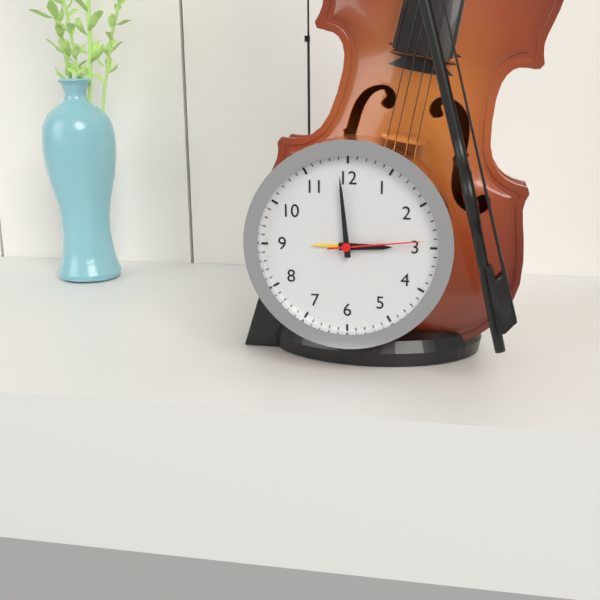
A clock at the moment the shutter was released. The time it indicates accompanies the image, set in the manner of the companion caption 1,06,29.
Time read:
2,59,14
